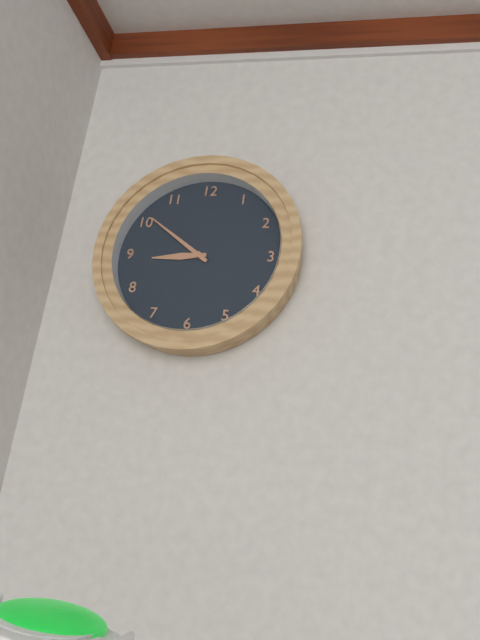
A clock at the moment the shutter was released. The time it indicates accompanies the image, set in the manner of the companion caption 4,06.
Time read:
8,51
